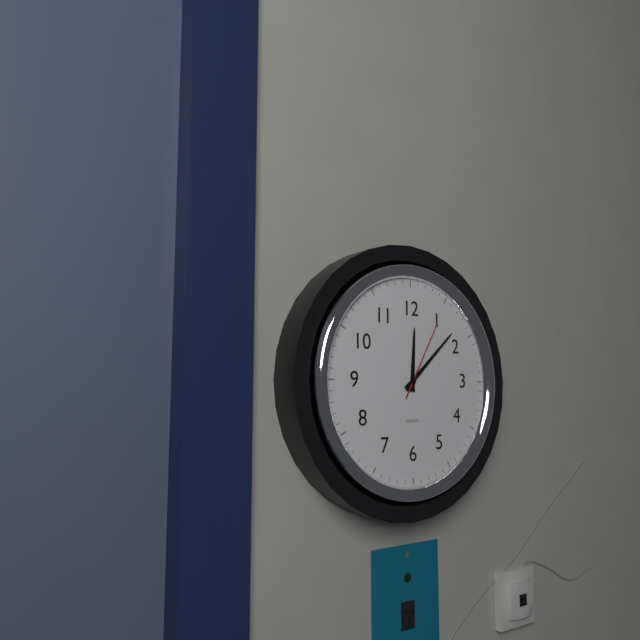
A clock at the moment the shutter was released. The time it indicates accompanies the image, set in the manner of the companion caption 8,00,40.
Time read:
12,08,05
